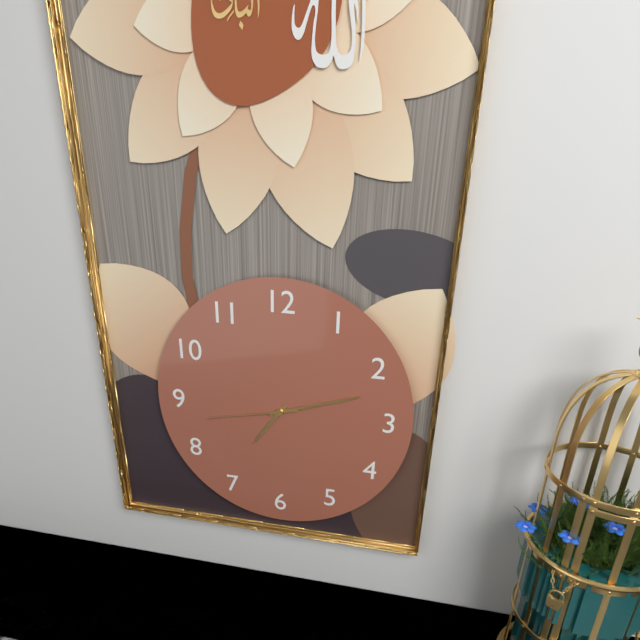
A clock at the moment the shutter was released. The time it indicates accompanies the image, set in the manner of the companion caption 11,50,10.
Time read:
7,12,43
